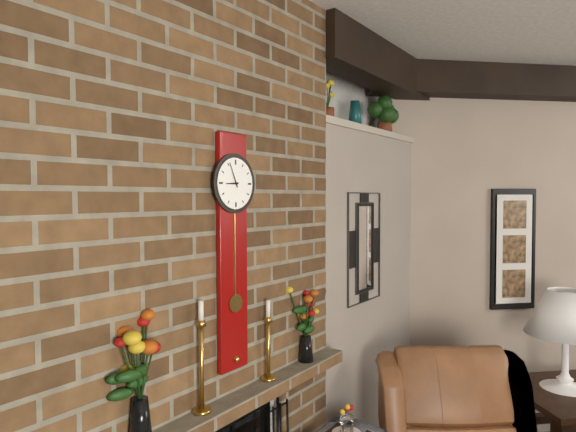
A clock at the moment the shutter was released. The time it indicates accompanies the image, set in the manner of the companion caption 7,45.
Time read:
8,56
